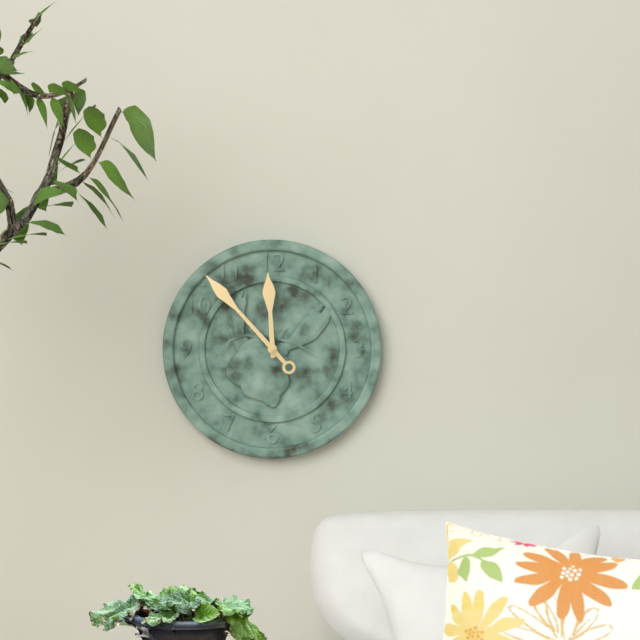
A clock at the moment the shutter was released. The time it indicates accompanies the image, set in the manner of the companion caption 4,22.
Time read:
11,53
